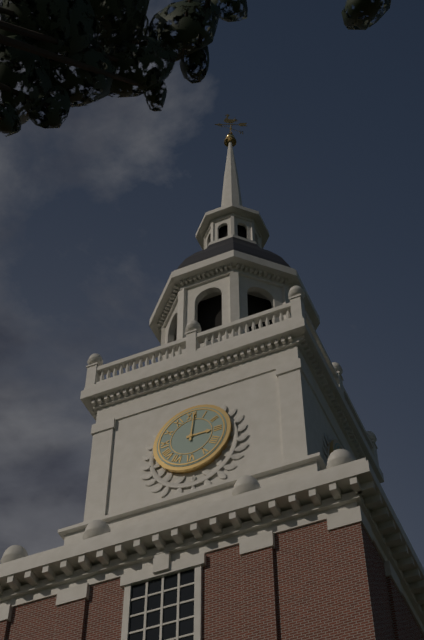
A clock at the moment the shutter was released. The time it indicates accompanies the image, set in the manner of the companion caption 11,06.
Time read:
3,01
